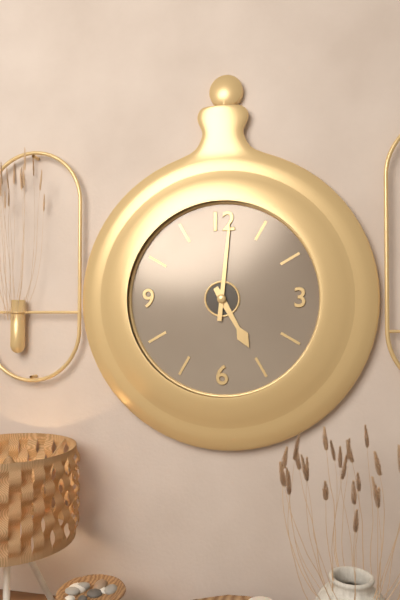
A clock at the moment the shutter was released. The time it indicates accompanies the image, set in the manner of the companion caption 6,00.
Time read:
5,01
